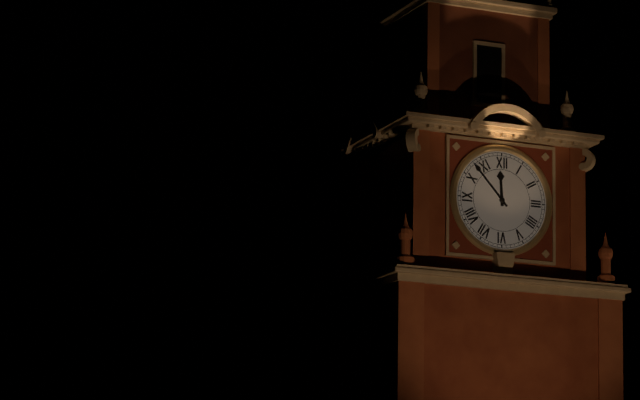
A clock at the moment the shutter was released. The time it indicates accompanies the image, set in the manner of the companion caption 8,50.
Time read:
11,53
